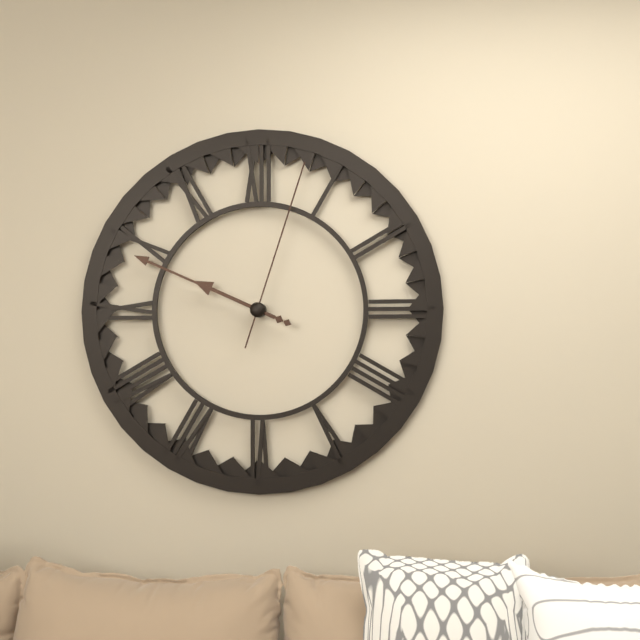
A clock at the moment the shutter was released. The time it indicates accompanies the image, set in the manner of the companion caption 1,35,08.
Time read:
9,49,03
